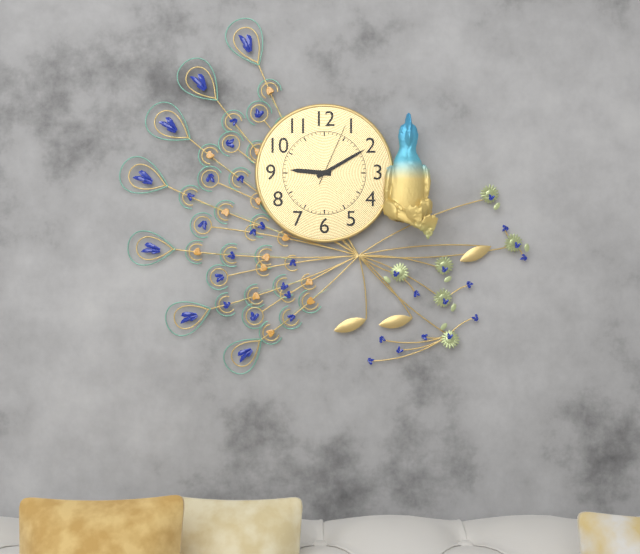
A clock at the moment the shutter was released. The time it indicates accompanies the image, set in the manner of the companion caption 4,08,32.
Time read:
9,10,04
